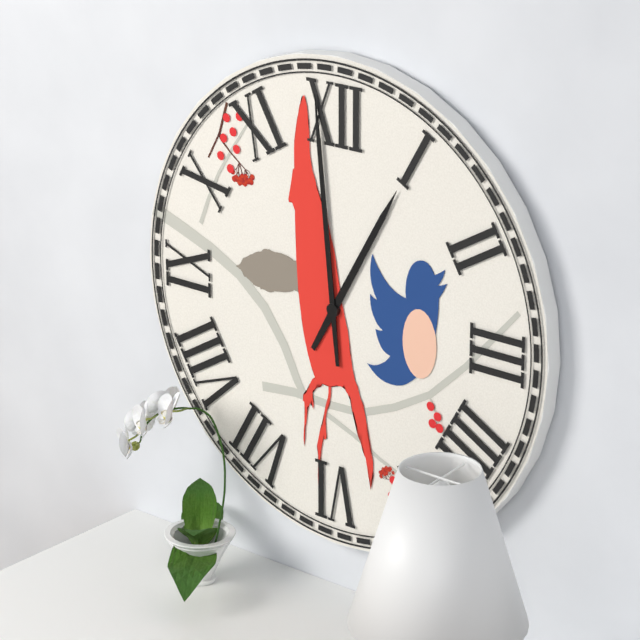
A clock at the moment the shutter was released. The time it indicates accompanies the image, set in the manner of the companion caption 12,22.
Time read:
12,59
